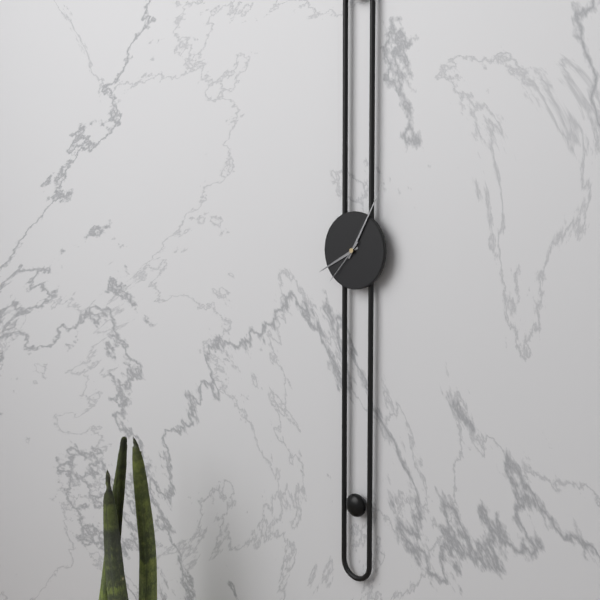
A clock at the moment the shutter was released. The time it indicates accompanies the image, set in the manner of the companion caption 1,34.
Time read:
8,05
